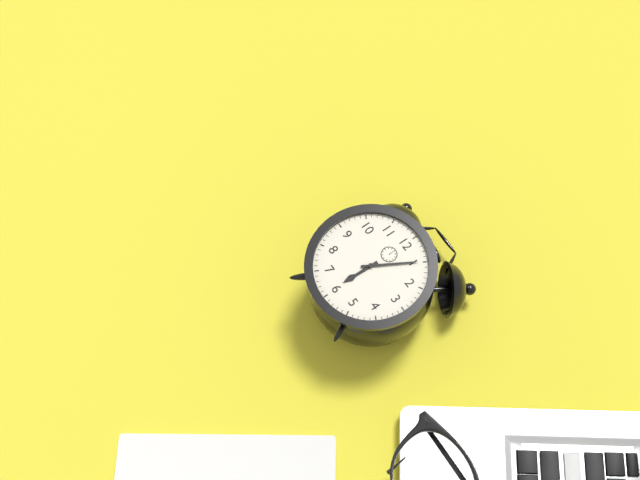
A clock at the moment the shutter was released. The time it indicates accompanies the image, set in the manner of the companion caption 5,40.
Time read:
6,05
